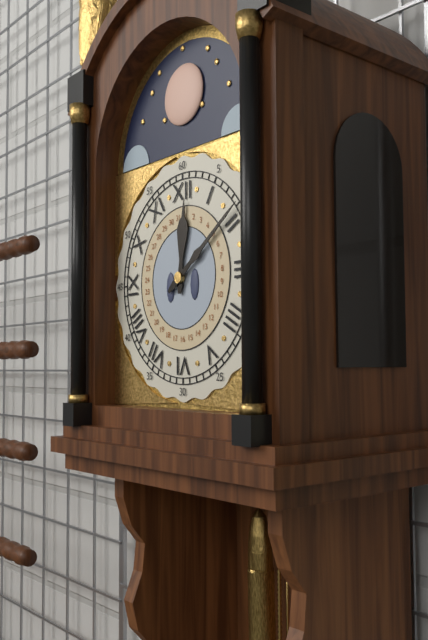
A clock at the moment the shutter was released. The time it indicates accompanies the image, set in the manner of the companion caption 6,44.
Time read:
12,09
